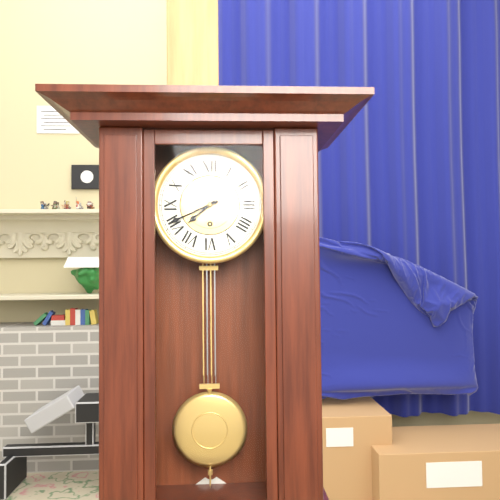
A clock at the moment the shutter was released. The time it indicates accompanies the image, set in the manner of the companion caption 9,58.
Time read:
7,41
